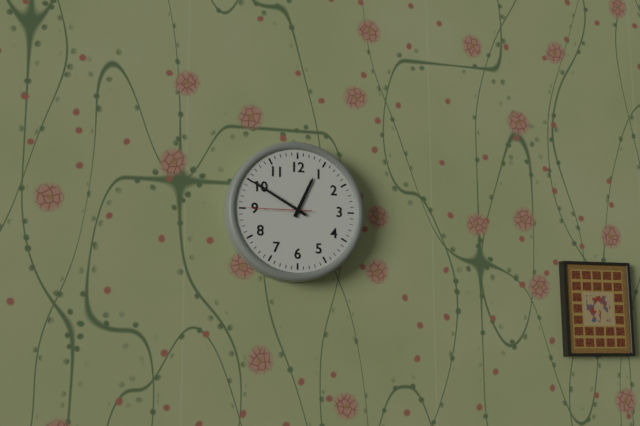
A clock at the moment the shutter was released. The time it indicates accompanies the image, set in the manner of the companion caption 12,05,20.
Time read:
12,50,45
